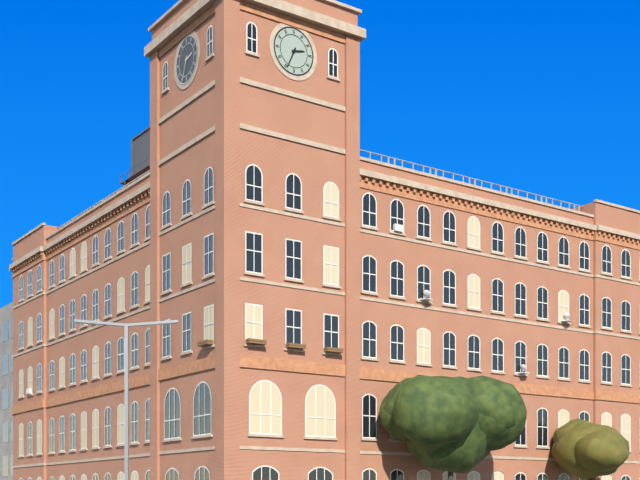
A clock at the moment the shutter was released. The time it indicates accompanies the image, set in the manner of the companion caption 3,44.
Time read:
2,34
